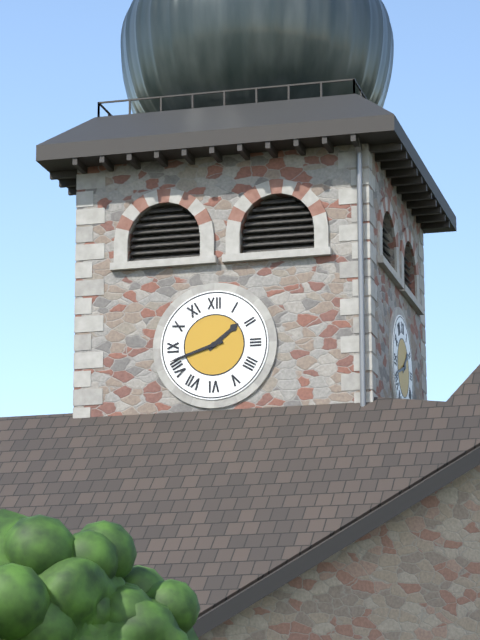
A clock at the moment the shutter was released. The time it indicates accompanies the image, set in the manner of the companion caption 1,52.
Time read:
1,42
